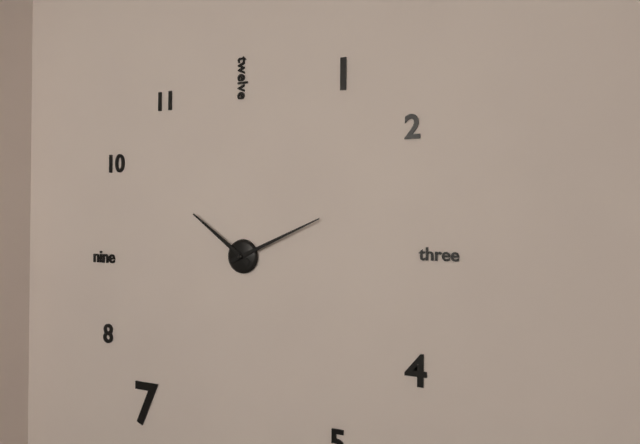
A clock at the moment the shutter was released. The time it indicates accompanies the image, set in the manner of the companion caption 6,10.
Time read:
10,11
